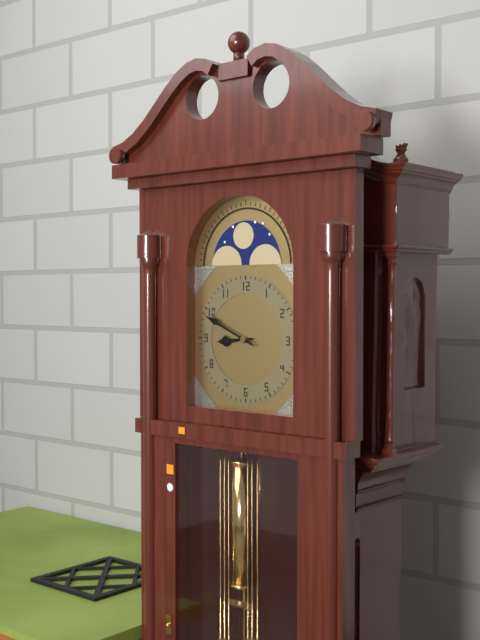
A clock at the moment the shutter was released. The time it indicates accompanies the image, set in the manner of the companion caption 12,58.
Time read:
8,49
